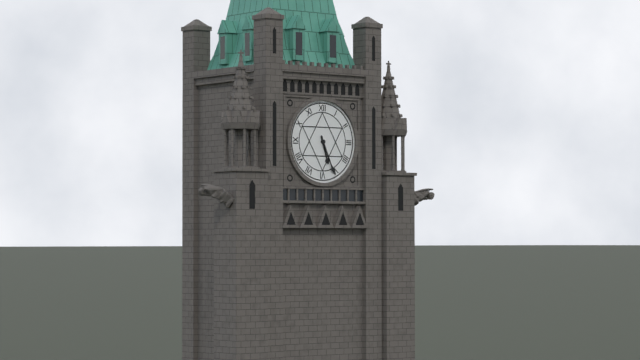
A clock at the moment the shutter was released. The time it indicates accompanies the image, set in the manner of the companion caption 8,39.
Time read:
5,26
